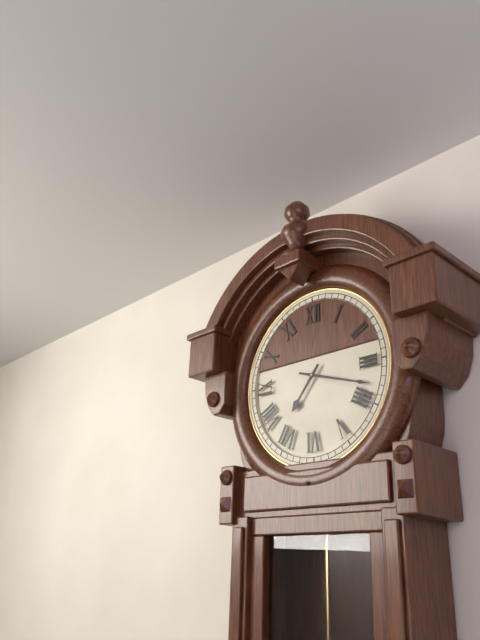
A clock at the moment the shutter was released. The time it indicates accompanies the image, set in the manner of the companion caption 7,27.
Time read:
7,18
